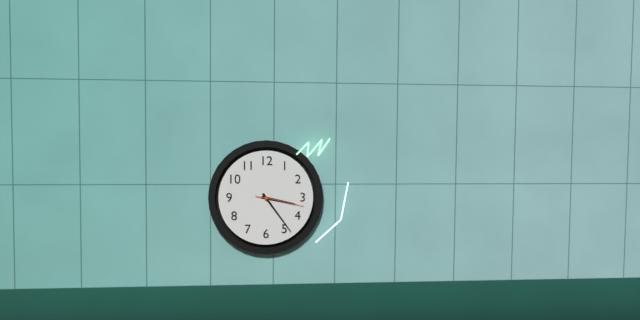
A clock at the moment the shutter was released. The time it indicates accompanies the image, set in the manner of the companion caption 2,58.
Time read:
3,24
